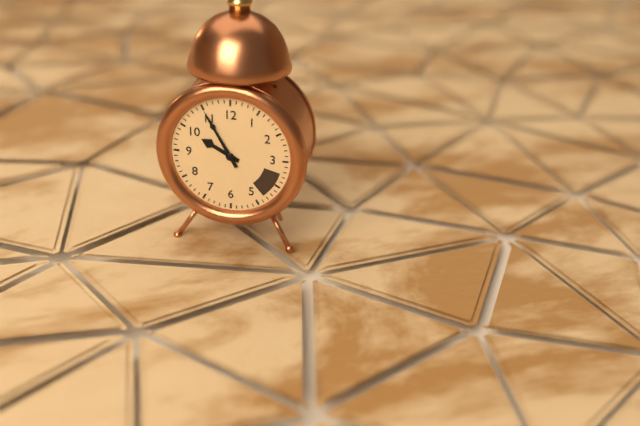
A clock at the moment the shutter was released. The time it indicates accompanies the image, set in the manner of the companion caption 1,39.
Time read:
9,55
